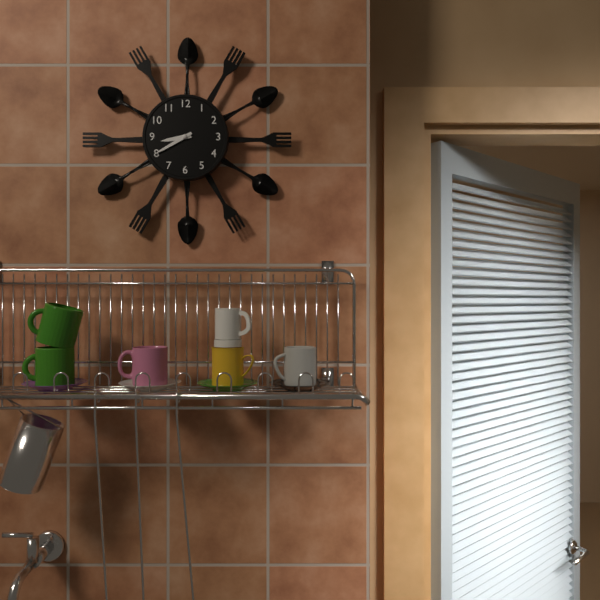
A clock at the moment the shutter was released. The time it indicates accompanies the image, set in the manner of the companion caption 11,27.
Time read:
8,40
